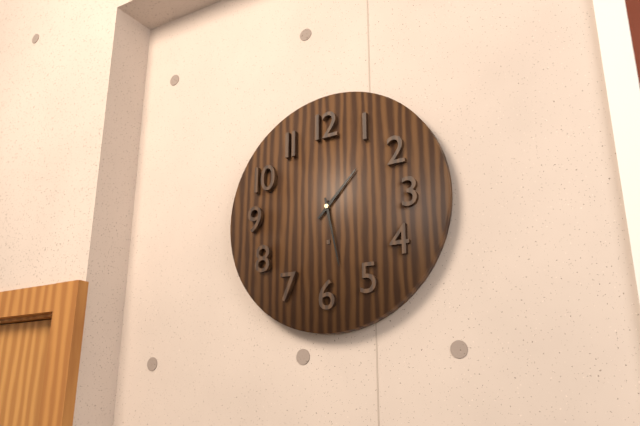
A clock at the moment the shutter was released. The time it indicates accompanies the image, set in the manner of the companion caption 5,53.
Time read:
1,28
